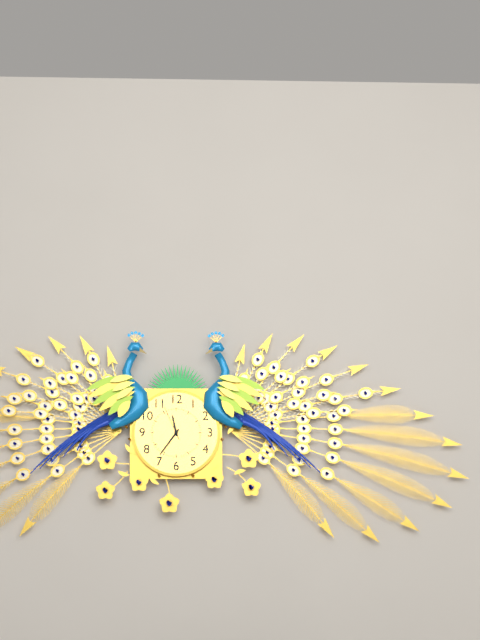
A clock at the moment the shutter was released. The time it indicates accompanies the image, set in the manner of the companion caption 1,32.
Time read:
11,36
